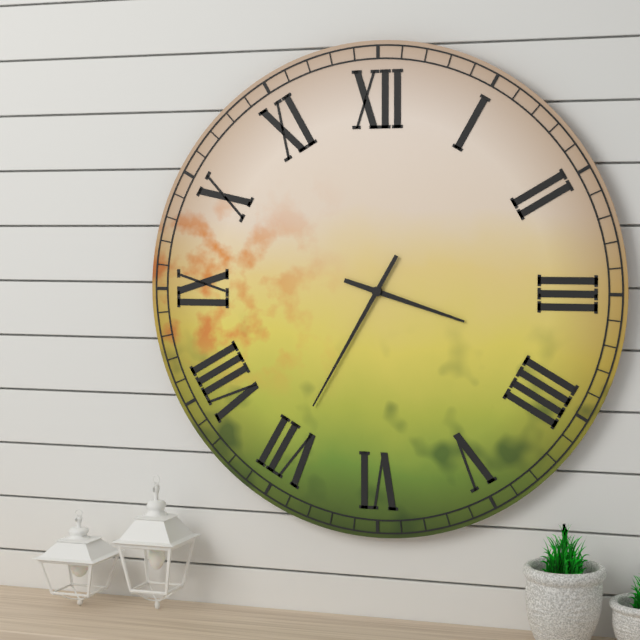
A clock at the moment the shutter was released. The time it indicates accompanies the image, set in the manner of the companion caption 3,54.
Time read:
3,35
